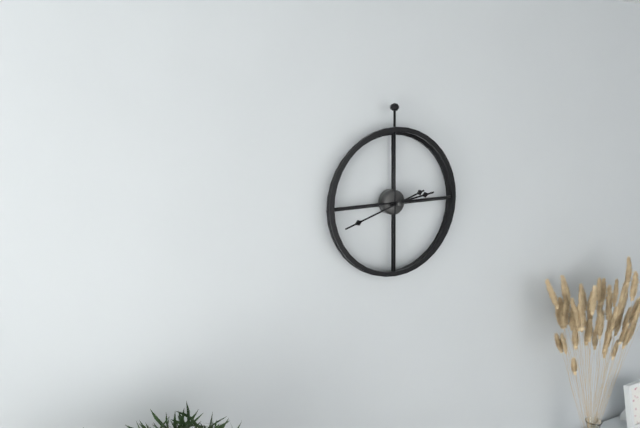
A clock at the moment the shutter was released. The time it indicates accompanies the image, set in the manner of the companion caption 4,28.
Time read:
2,42
